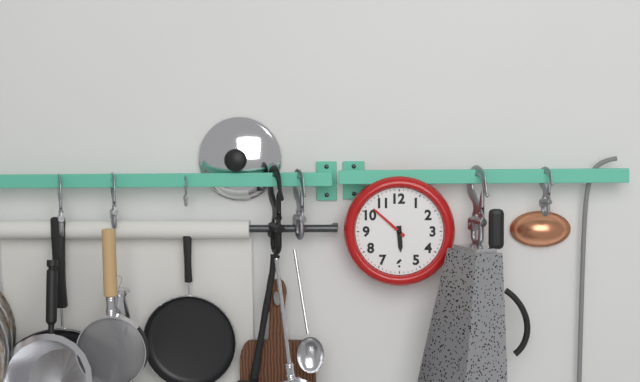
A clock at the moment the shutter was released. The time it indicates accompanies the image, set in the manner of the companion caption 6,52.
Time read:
5,52
